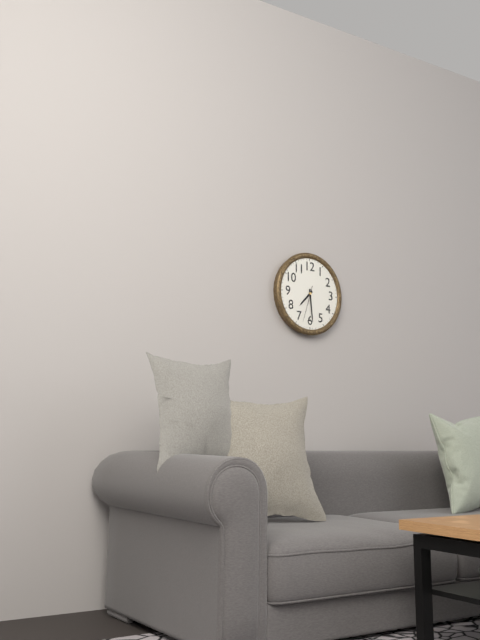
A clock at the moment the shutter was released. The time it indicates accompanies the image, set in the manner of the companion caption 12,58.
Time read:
7,29
